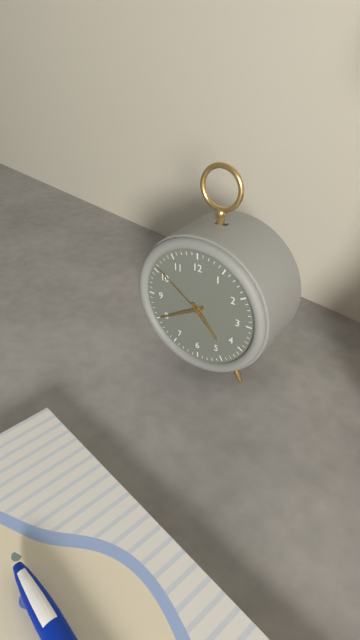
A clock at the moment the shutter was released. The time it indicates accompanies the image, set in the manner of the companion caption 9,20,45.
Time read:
4,40,51
